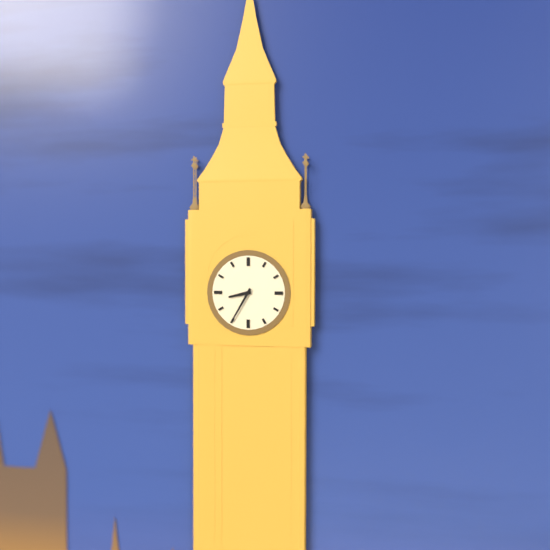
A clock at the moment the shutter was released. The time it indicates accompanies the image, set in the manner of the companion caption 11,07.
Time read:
8,35
